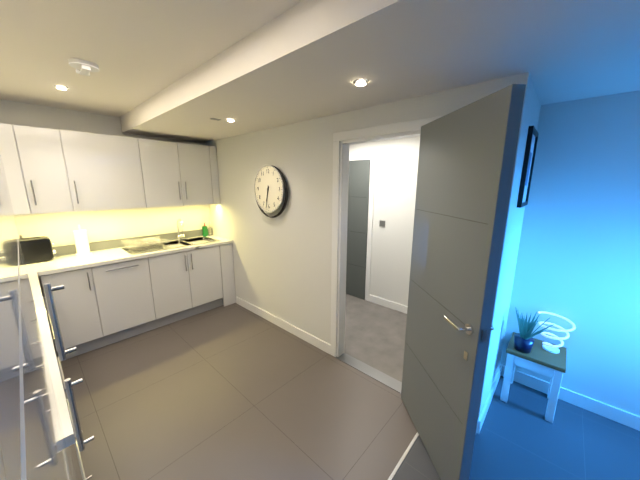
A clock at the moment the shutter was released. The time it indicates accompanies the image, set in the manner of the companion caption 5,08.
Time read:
6,32
